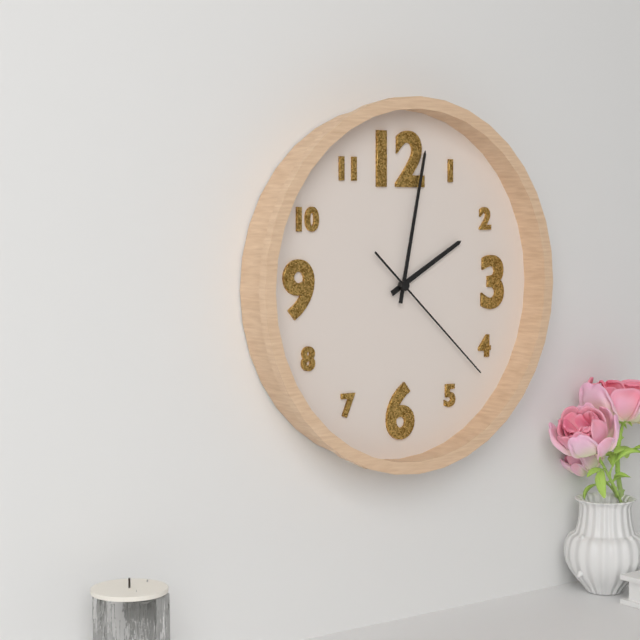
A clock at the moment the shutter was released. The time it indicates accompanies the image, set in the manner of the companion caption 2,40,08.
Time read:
2,02,22
